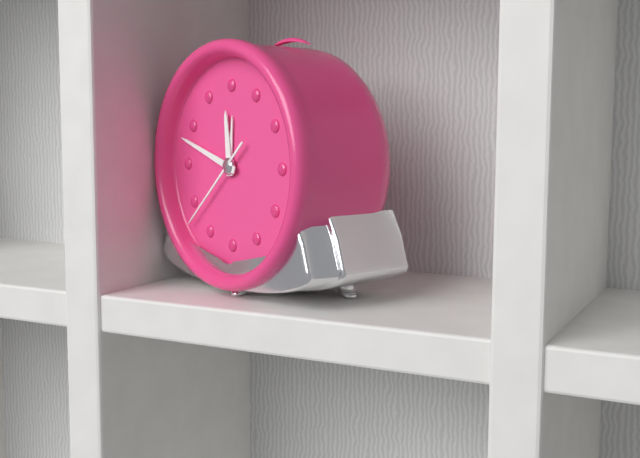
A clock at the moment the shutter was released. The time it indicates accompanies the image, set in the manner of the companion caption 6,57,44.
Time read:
11,48,38
